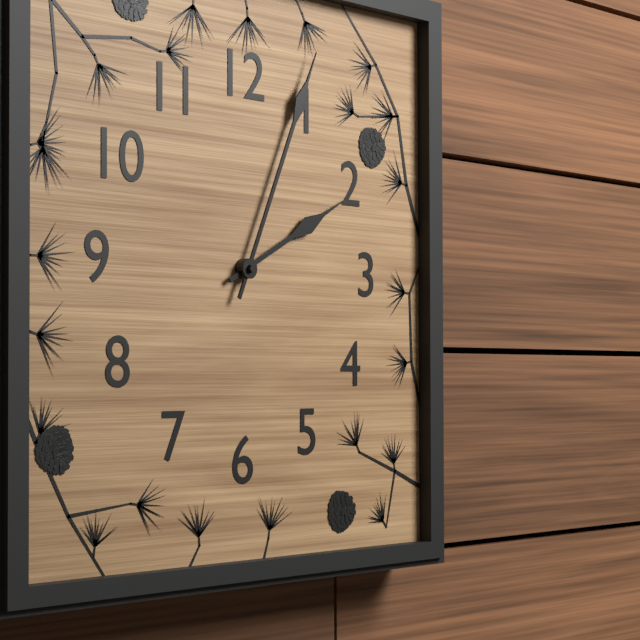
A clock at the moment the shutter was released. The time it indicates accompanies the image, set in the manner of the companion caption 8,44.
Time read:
2,04
